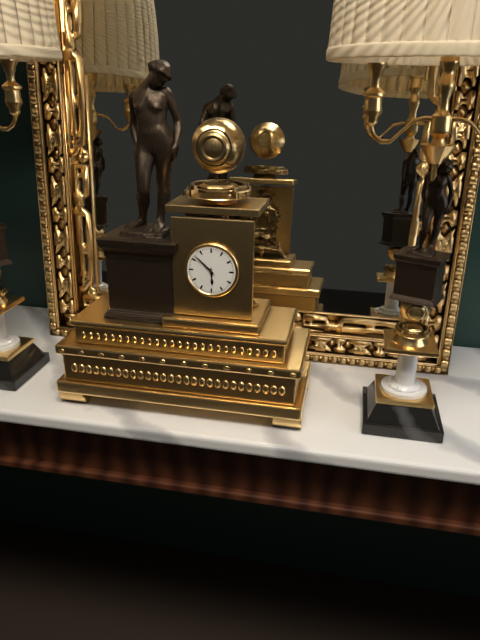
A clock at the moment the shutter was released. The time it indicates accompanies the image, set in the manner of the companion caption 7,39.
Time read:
5,52
